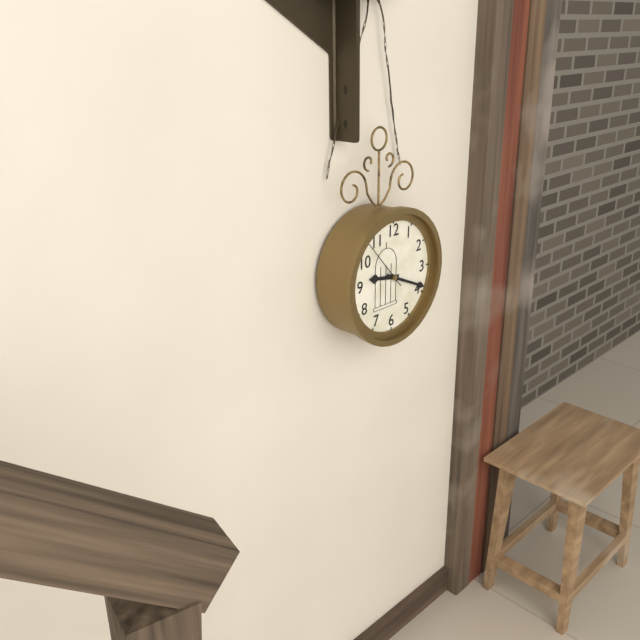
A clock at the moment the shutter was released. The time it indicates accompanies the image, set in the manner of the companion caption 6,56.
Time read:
9,19
